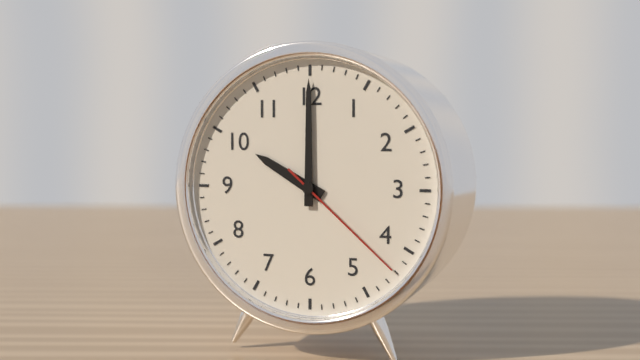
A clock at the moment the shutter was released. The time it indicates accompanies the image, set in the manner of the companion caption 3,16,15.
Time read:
10,00,22
